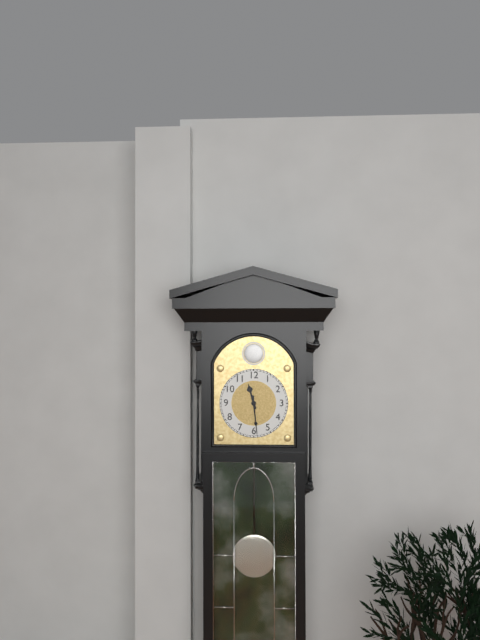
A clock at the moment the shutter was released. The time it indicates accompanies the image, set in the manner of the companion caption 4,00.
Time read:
11,29
